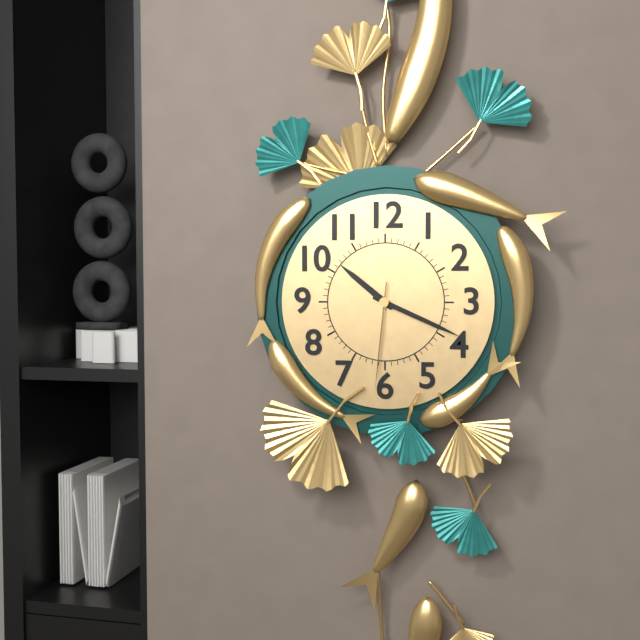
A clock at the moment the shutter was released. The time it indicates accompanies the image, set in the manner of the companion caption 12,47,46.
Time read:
10,19,31
